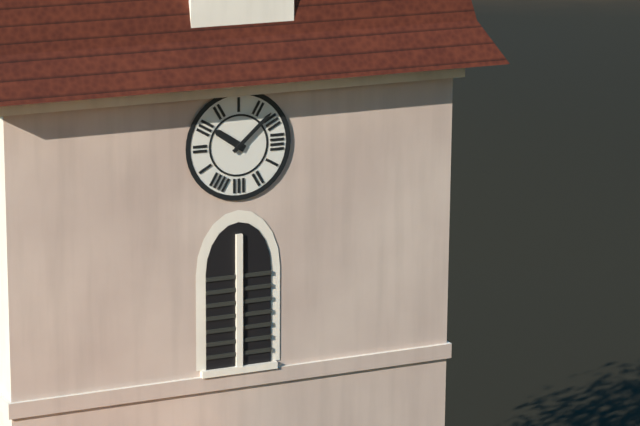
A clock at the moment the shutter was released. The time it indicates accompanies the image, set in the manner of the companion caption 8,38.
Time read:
10,08
